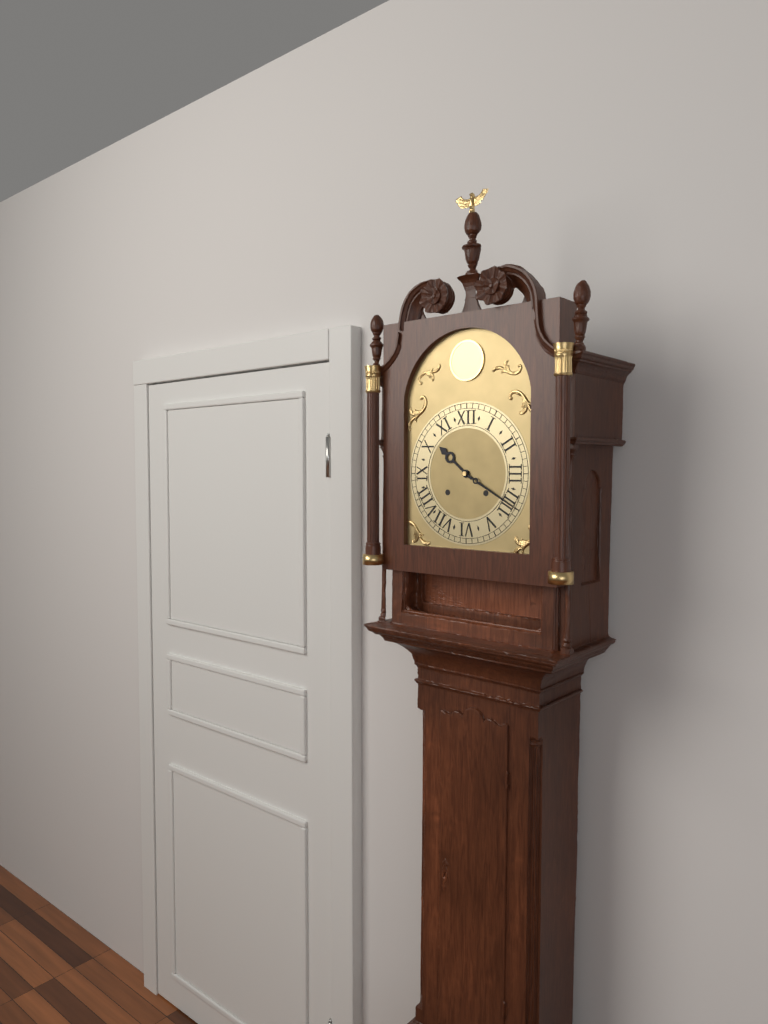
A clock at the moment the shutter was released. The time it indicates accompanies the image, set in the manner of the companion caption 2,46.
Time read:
10,20
